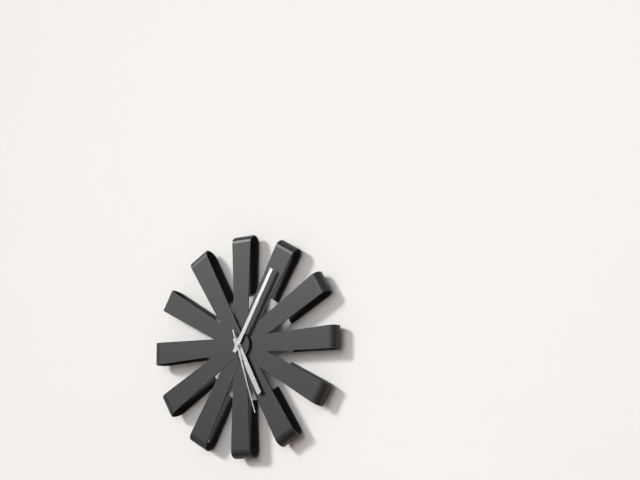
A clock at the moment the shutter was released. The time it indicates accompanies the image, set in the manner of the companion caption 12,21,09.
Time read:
5,05,27
